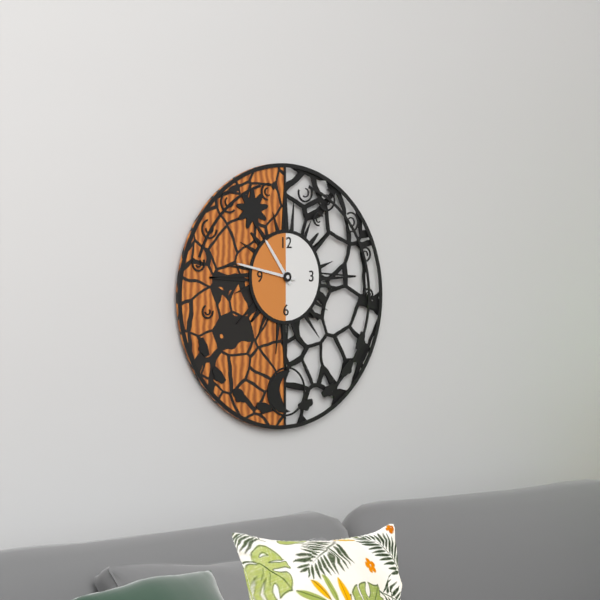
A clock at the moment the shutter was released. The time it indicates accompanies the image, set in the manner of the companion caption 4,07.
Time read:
10,47
